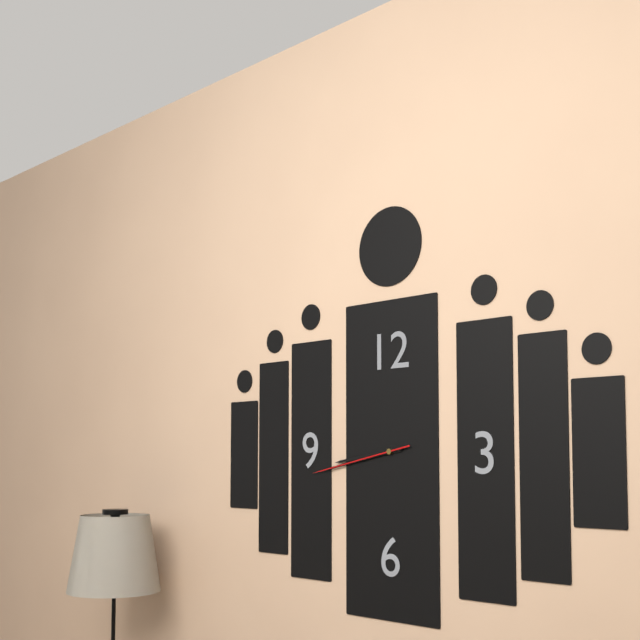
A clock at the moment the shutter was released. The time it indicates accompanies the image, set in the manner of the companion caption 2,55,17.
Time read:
8,43,43
